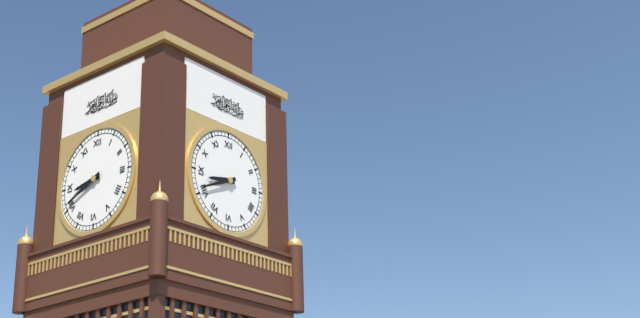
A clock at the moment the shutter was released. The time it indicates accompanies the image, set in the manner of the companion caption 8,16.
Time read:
8,41
